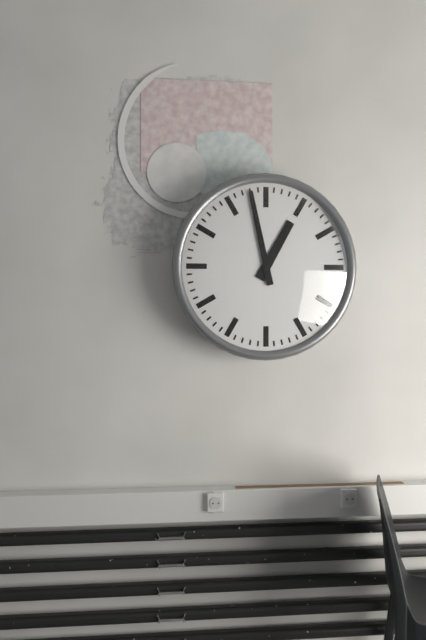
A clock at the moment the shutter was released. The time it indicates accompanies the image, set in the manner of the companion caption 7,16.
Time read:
12,58
